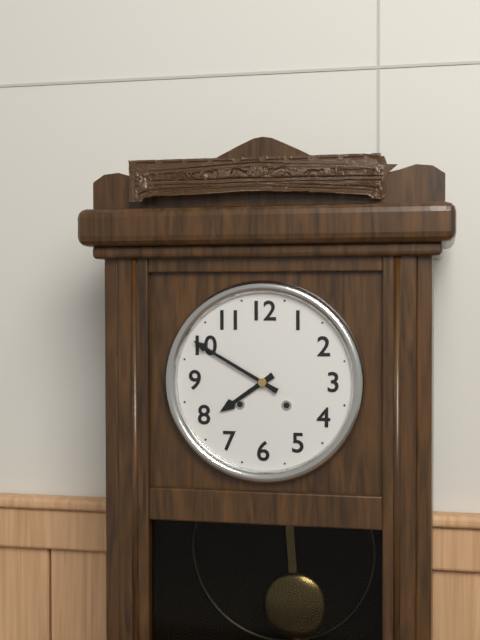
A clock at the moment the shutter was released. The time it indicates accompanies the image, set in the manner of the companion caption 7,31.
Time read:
7,50
